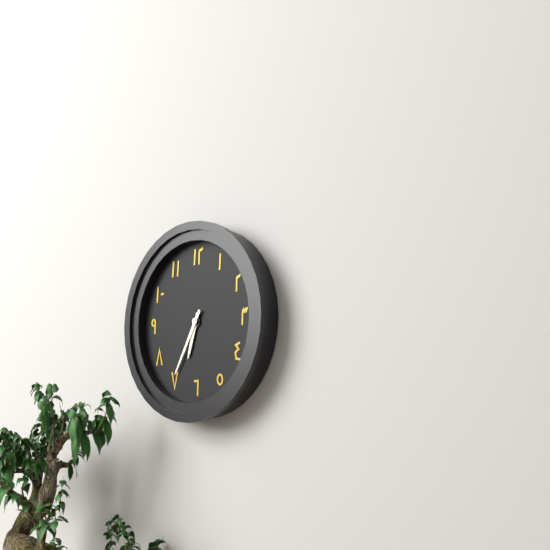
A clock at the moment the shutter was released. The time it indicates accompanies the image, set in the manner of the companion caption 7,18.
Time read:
6,35
